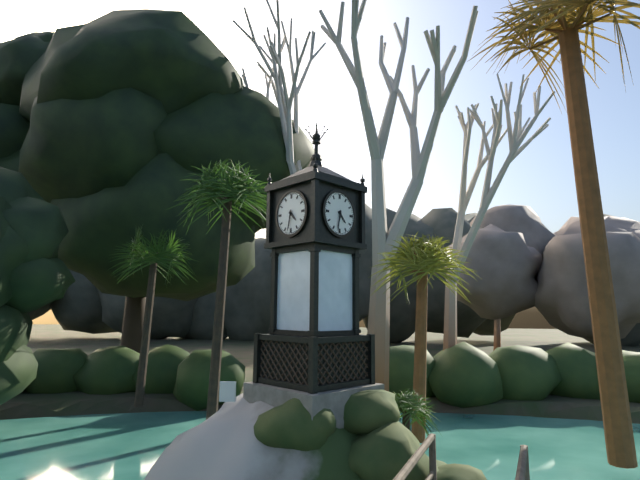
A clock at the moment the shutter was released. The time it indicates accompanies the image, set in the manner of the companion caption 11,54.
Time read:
4,32
